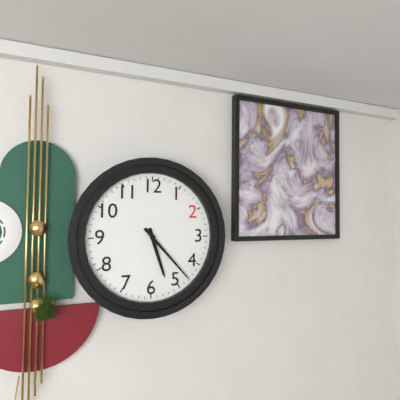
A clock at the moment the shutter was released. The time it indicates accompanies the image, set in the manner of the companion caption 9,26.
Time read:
5,23
